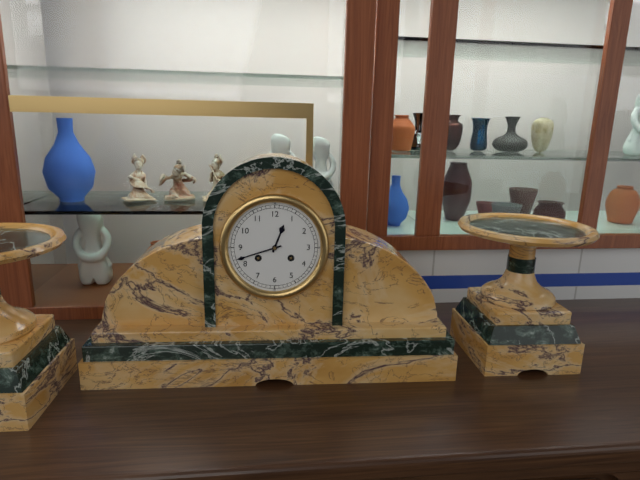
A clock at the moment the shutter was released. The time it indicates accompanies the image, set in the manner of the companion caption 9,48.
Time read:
12,42
